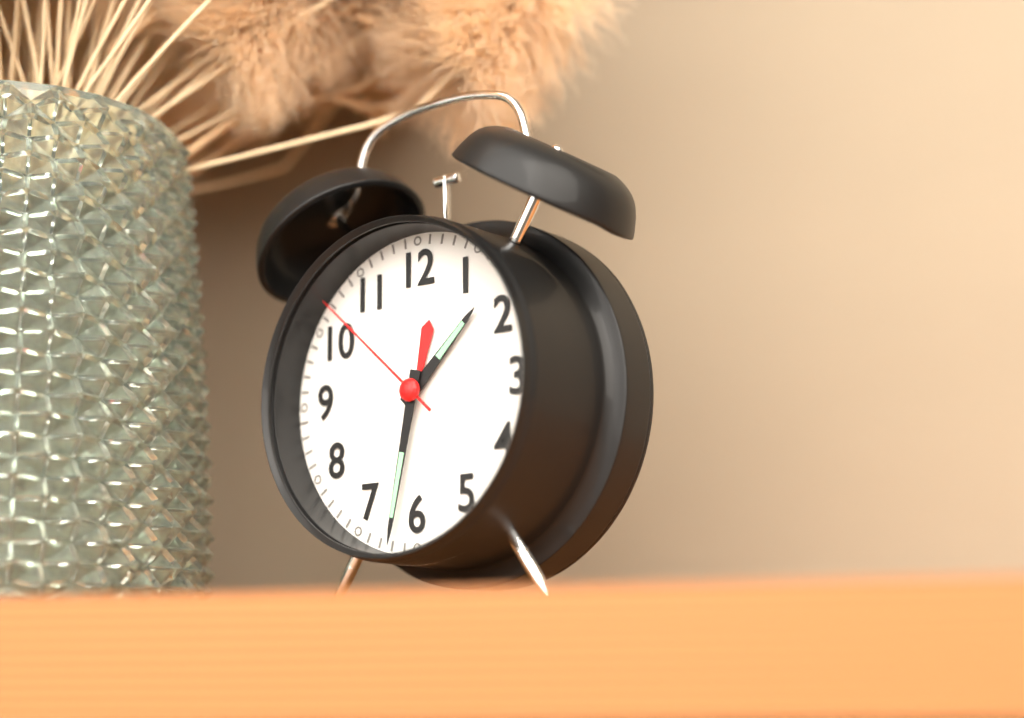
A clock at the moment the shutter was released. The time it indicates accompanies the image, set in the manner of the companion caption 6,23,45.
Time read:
1,32,52
